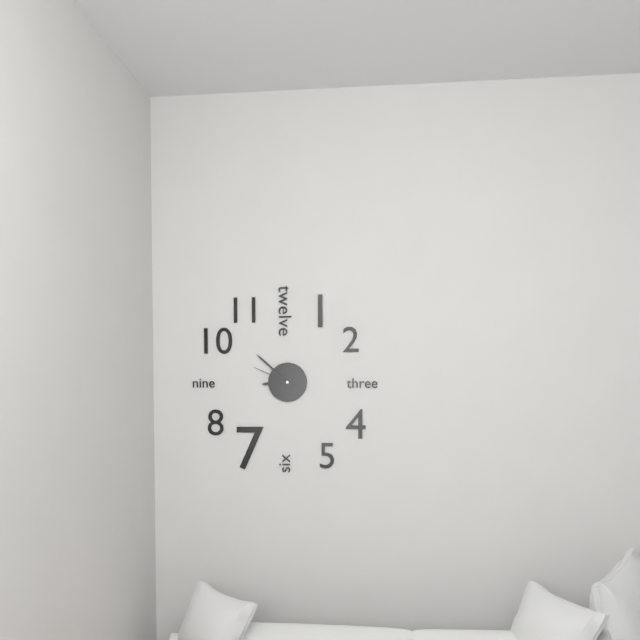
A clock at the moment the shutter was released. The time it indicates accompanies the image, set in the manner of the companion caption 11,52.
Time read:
8,52
